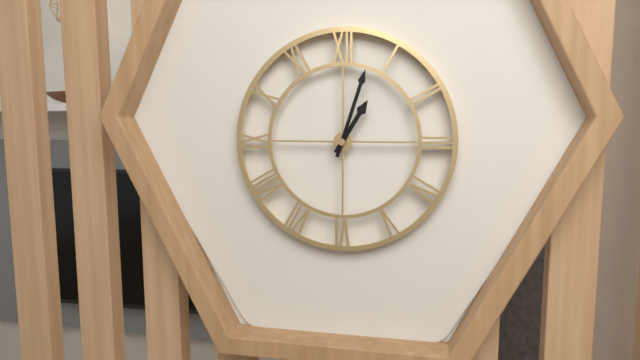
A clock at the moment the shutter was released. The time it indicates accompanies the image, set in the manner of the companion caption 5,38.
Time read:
1,03
